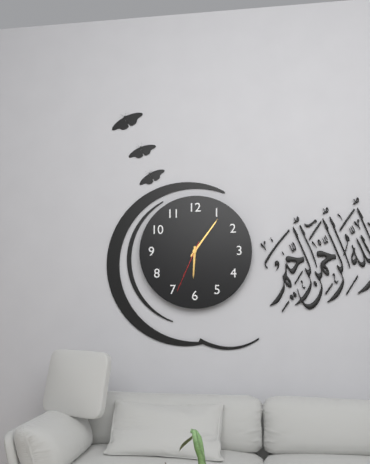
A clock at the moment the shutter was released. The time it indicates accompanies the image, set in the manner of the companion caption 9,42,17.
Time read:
6,06,34
